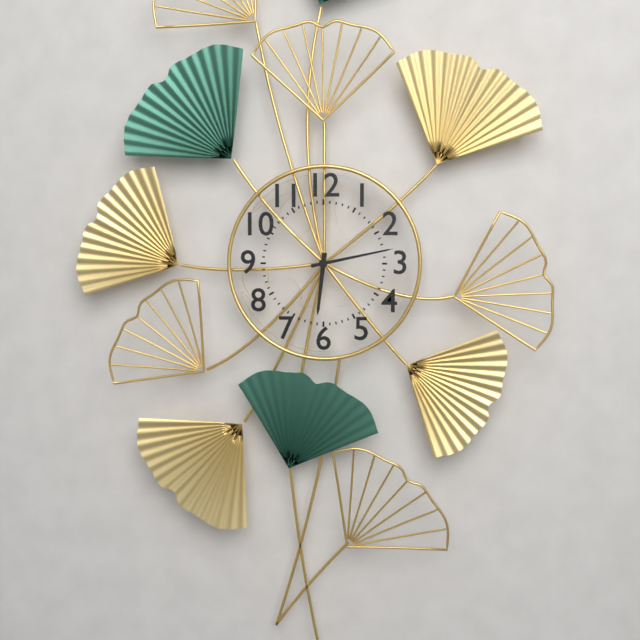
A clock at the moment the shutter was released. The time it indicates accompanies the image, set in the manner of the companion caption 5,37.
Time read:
6,13
